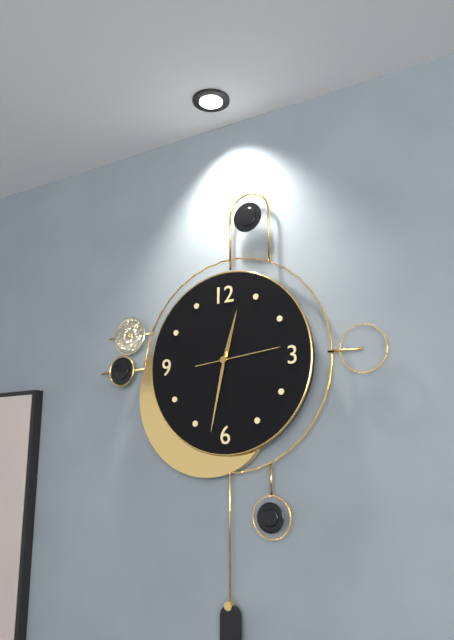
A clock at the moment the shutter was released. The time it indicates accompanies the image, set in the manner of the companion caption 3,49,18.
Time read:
12,32,14
